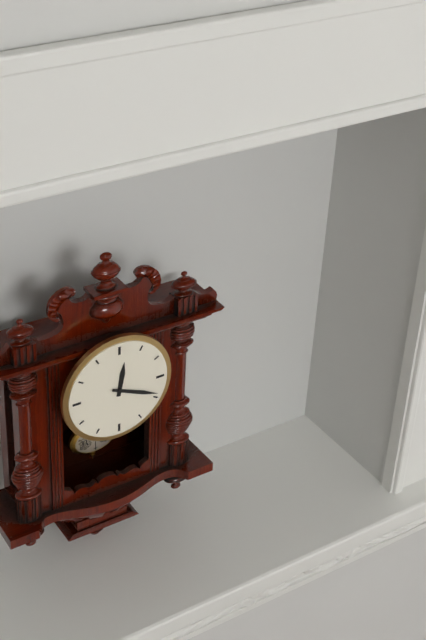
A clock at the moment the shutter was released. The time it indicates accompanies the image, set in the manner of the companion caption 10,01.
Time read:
12,19
